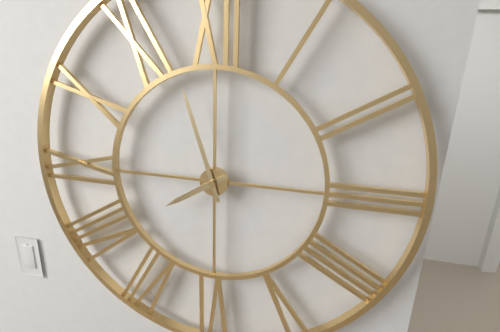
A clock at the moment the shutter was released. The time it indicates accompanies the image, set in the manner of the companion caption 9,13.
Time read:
7,57
